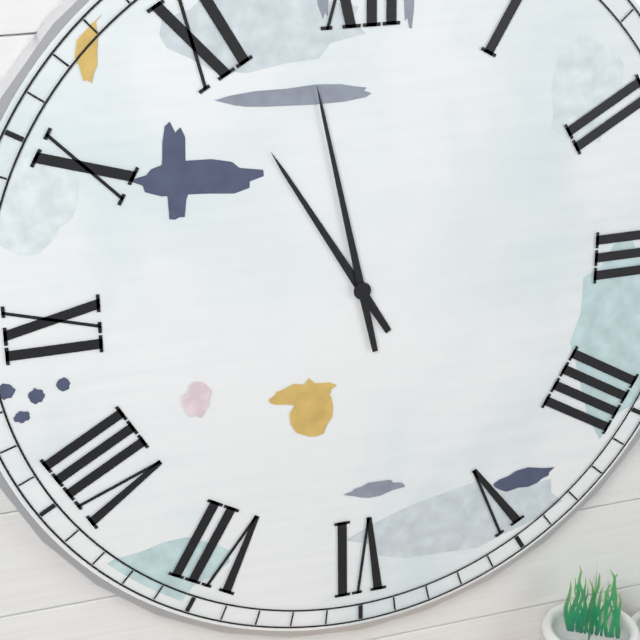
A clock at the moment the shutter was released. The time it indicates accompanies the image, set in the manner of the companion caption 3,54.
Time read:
10,58
